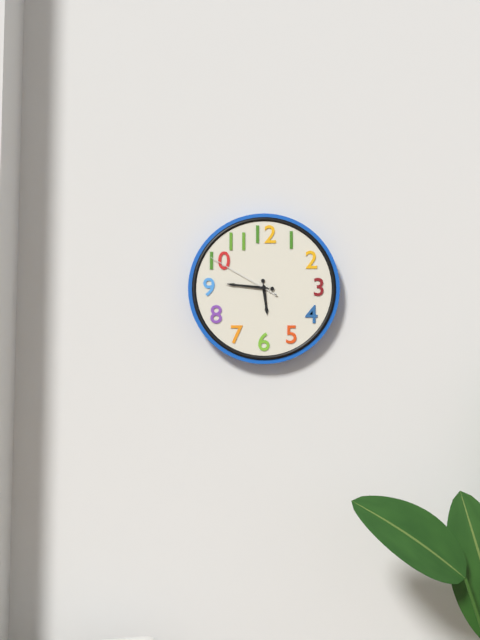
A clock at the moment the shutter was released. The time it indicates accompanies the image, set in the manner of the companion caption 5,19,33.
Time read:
5,46,50
